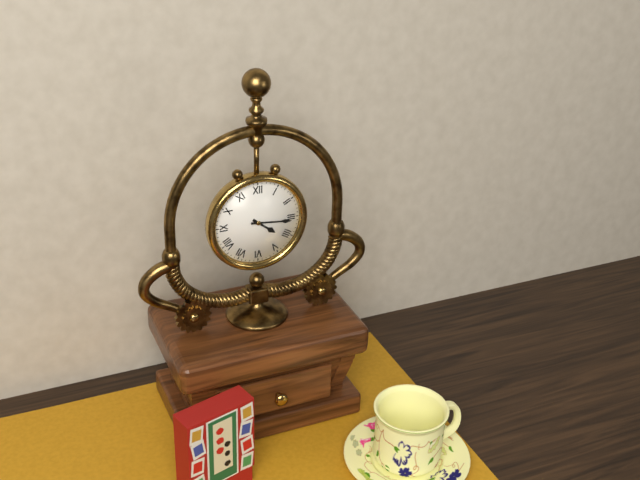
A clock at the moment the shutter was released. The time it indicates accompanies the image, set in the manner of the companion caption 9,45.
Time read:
4,16
